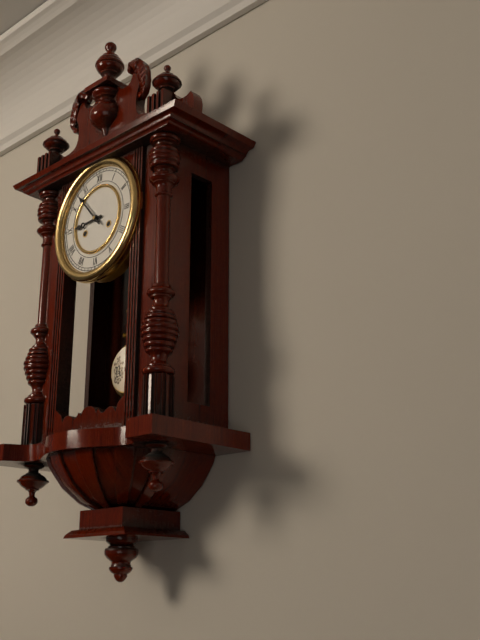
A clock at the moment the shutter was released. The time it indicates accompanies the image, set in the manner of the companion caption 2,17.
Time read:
8,53
